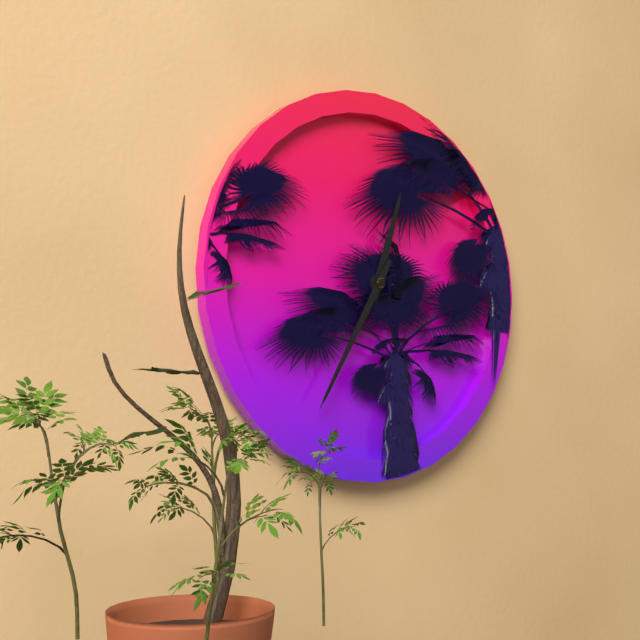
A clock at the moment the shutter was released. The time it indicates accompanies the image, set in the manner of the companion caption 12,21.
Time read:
12,35
